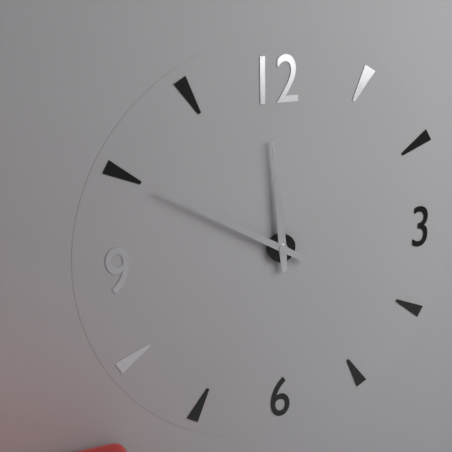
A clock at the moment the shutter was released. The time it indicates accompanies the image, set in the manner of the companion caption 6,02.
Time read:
11,50
